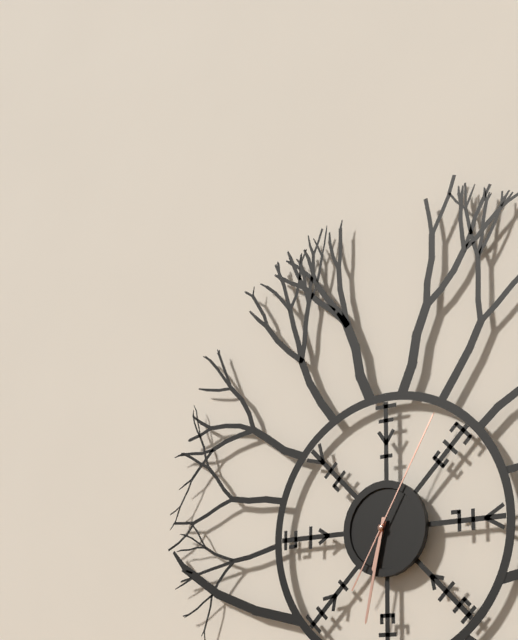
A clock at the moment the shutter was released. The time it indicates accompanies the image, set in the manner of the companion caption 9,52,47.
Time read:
6,32,05
